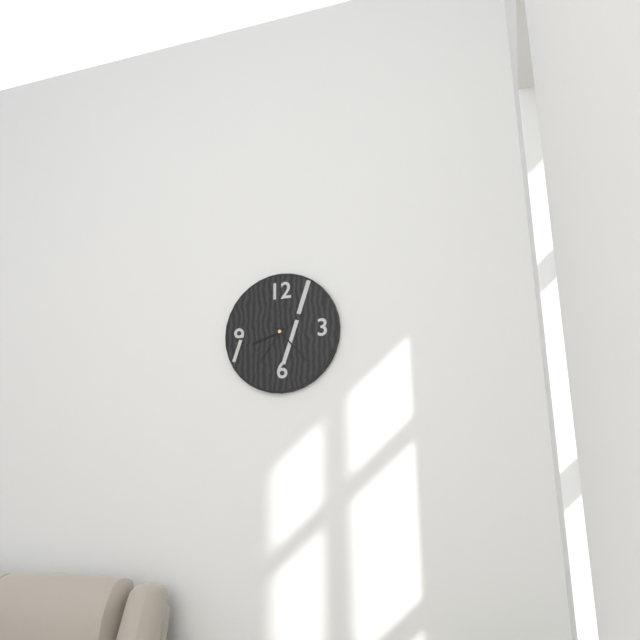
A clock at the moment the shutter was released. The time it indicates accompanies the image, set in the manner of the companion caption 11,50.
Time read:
8,23
